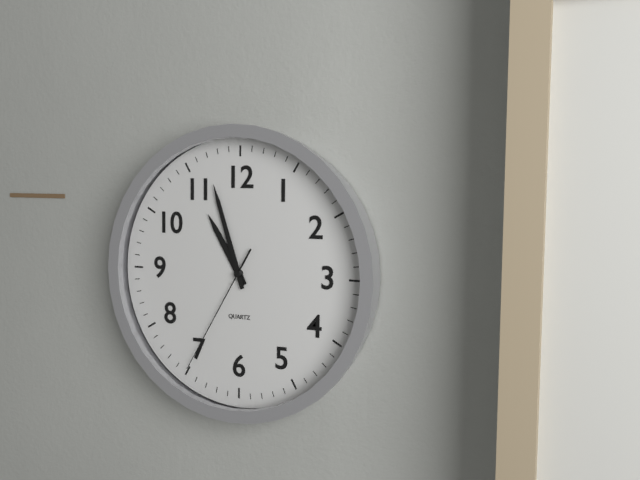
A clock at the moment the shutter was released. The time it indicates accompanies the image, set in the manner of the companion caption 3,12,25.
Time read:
10,57,35
